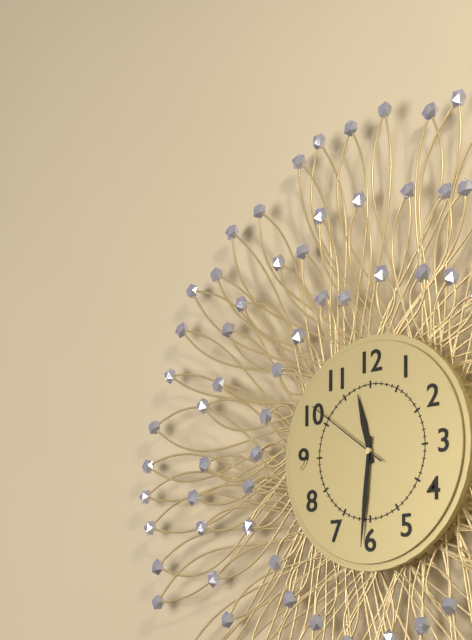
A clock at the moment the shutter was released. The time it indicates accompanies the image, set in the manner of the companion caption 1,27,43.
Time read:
11,31,51
